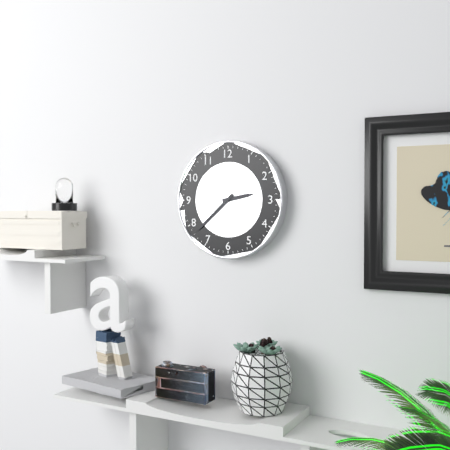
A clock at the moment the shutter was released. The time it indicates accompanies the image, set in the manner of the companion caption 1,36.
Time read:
2,38
